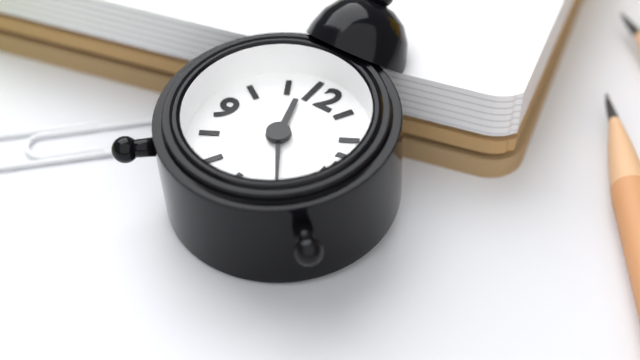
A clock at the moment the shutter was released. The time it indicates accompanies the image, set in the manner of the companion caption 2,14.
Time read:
11,24
